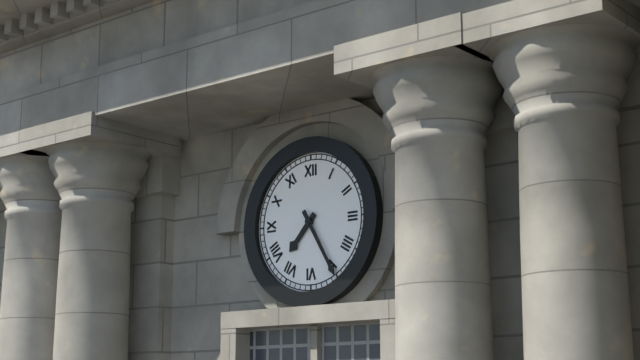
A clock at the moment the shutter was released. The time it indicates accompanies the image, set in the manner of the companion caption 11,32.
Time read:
7,25
